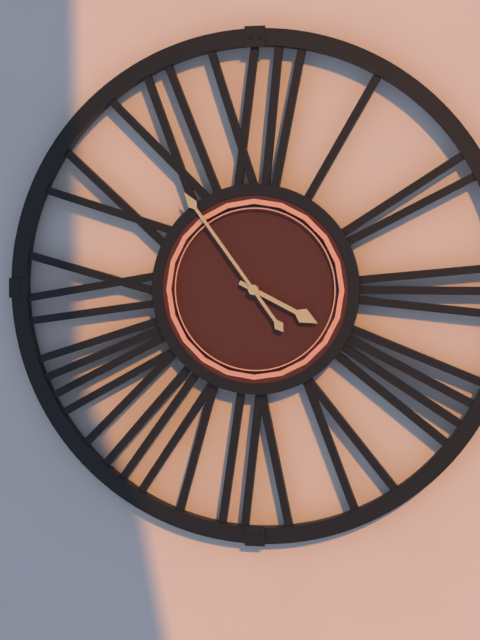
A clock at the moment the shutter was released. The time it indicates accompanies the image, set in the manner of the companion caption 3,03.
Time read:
3,54
